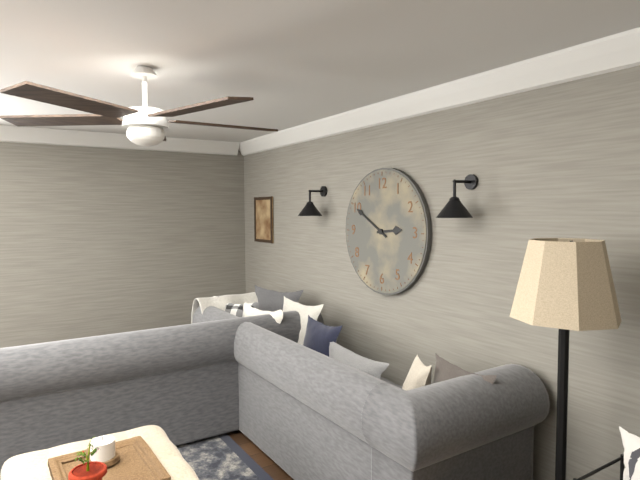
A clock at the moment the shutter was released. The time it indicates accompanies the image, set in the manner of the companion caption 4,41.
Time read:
2,50
